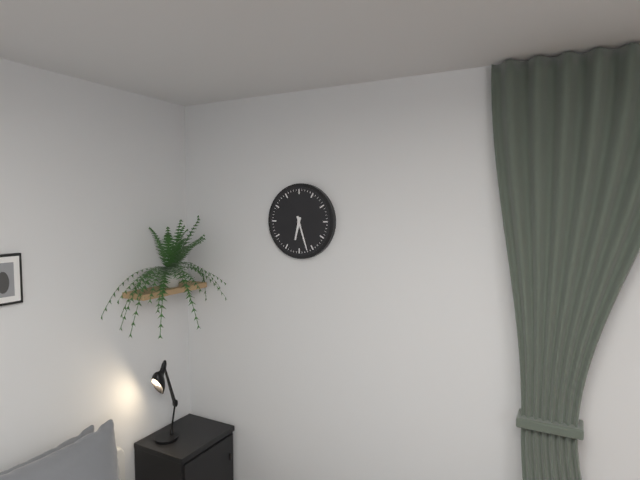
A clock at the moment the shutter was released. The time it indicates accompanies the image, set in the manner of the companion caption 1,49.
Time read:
6,27
